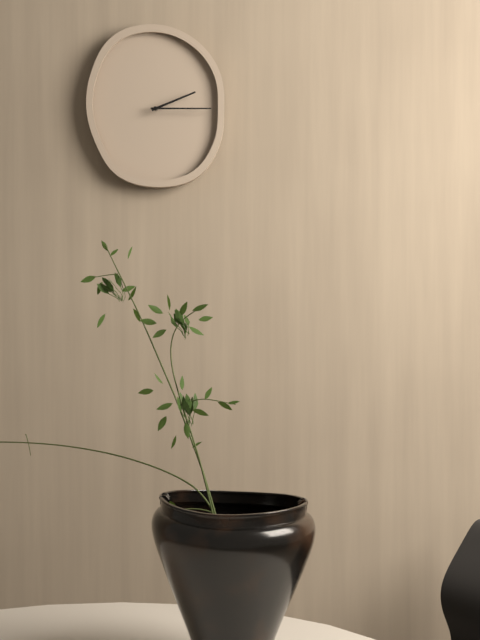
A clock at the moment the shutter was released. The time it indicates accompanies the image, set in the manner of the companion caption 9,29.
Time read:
2,15
